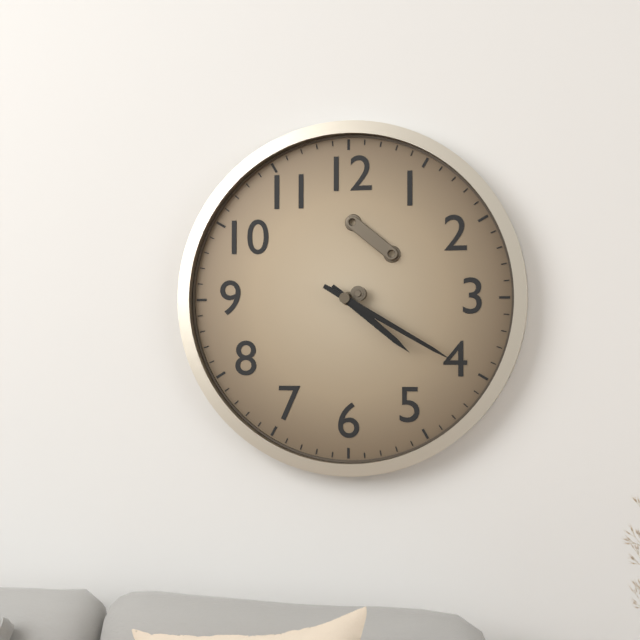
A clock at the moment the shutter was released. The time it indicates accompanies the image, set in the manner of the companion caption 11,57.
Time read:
4,20
